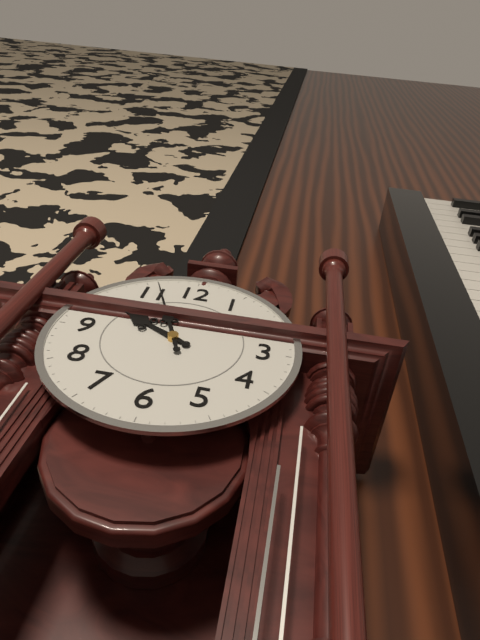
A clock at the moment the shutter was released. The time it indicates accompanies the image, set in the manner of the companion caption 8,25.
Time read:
9,56
